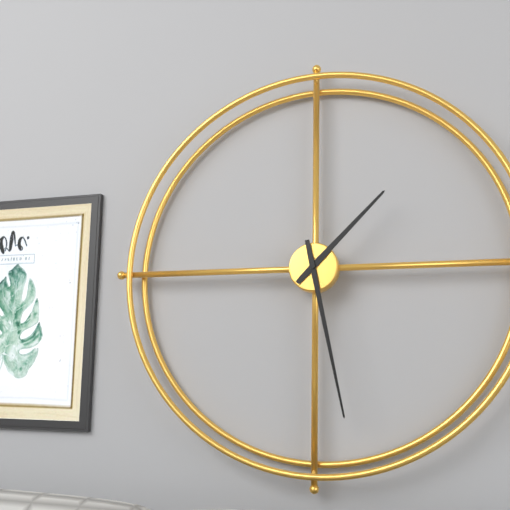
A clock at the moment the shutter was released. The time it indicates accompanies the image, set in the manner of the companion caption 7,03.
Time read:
1,28
